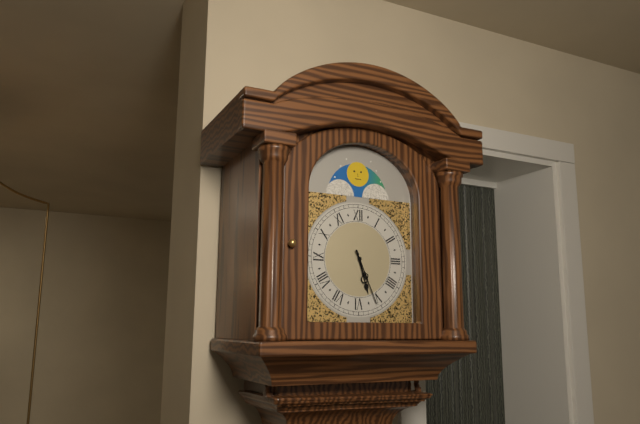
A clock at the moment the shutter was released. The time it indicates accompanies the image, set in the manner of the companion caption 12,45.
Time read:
5,26
